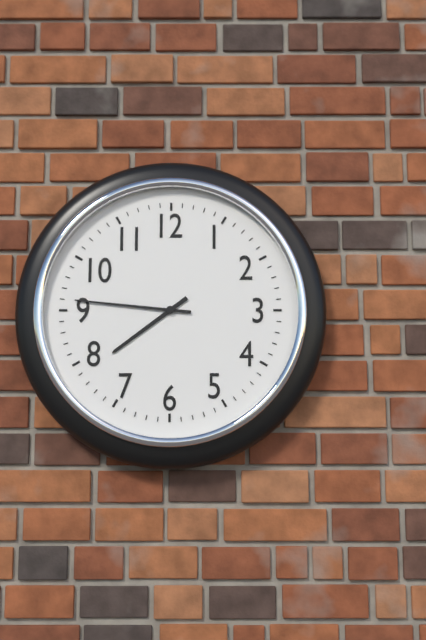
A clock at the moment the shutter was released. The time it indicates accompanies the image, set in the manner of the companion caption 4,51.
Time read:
7,46
